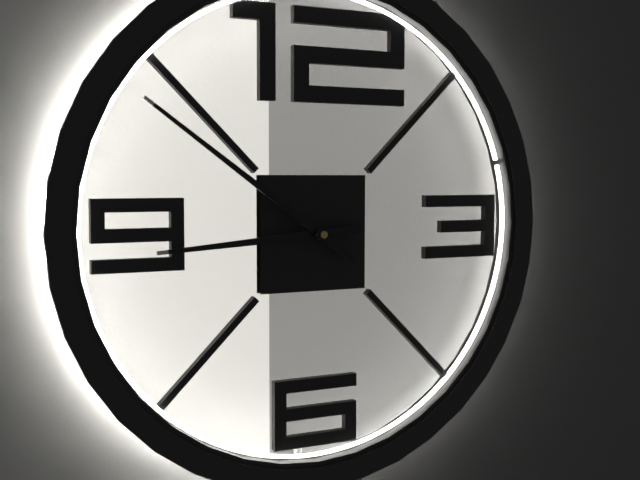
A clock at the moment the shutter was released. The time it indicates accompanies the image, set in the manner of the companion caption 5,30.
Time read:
8,51
